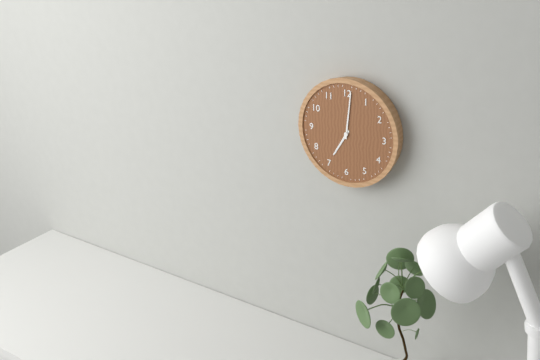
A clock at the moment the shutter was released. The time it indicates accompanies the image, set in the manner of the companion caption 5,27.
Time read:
7,01
